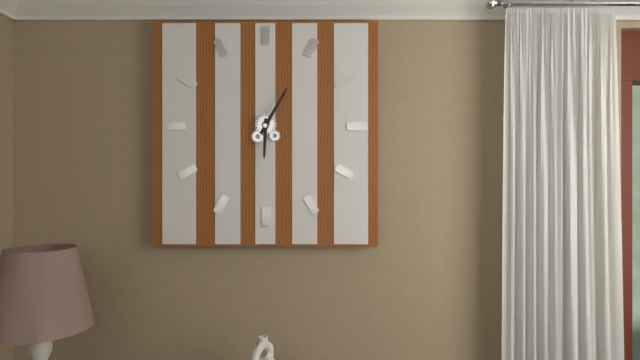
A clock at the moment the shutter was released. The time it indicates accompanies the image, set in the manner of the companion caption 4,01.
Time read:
6,05
